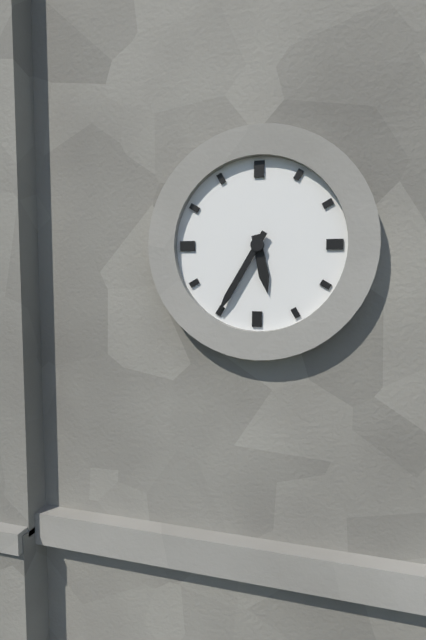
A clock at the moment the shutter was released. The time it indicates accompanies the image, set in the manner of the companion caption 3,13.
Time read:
5,35
